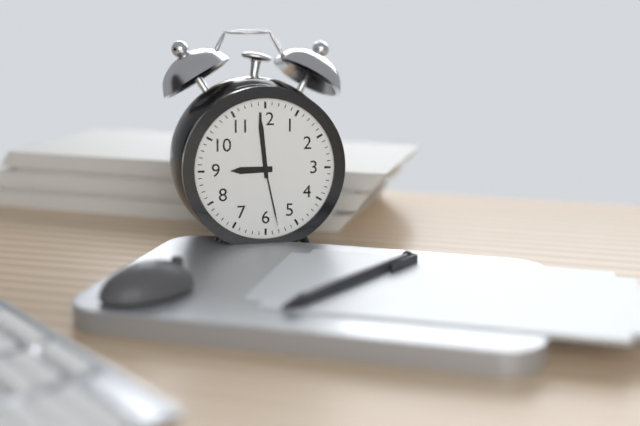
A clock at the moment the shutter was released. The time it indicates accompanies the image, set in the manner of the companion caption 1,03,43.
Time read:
8,59,28
